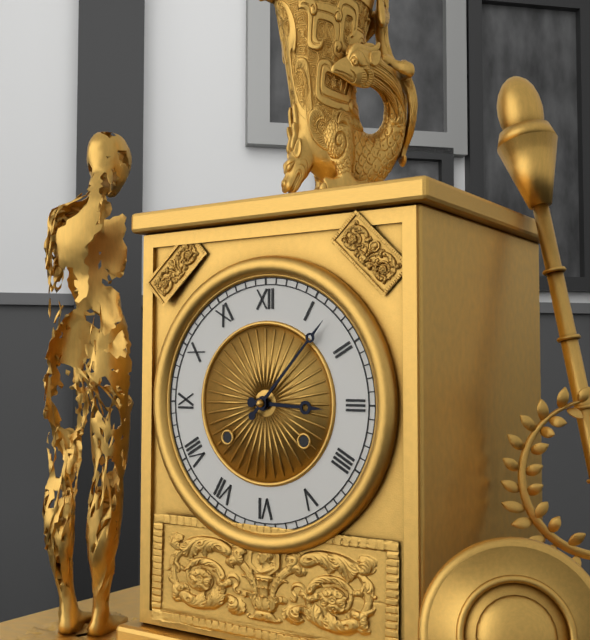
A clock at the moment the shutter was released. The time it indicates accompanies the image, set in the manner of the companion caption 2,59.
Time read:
3,07
